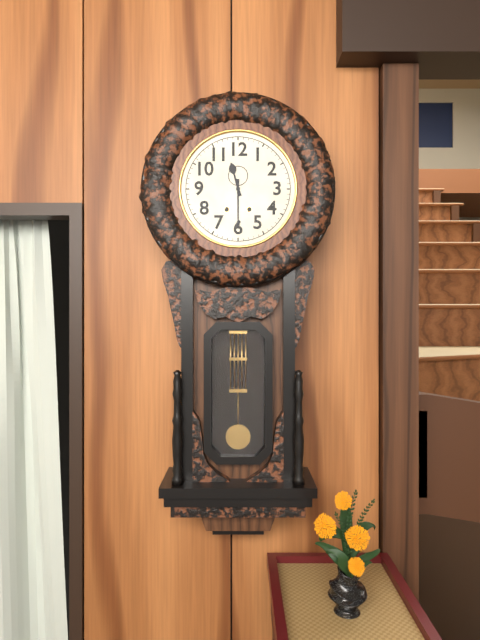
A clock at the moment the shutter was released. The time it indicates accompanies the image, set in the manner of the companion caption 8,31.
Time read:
11,30
